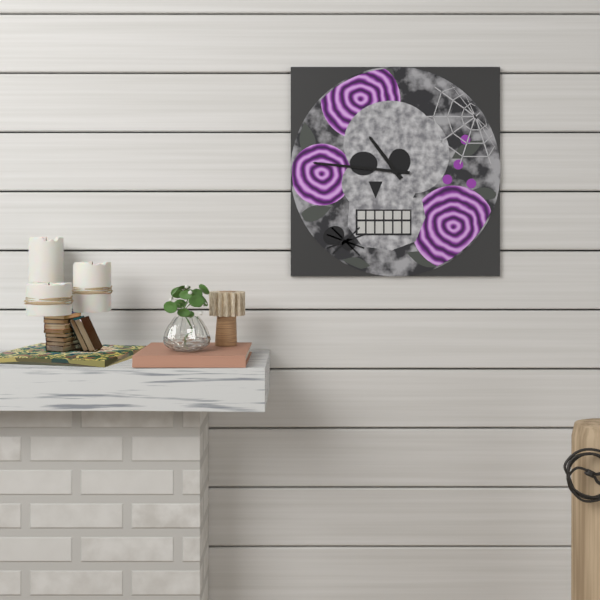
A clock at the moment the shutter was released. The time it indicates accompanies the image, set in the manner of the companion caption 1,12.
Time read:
10,46
